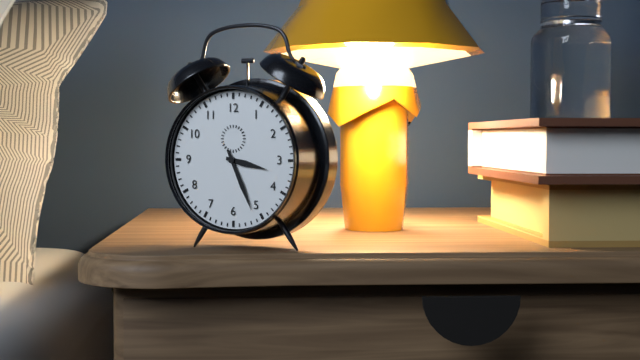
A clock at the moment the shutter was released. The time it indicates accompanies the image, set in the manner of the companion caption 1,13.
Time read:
3,26
